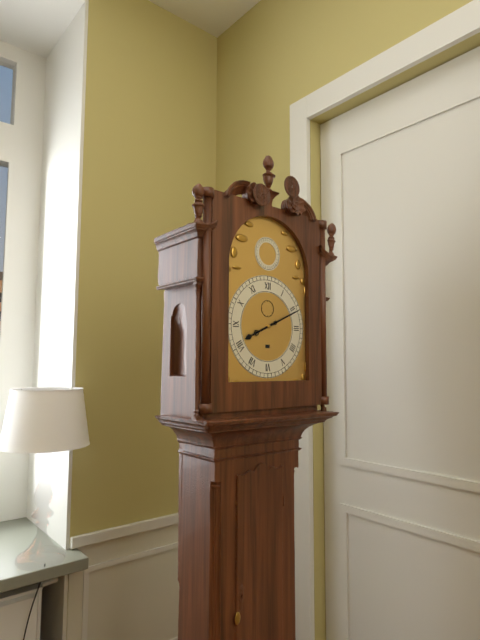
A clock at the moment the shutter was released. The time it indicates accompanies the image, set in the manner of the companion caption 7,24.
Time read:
8,11
